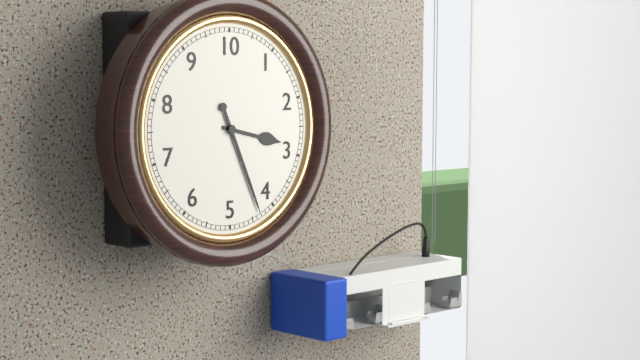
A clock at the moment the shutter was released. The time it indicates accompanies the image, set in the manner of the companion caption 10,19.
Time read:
3,26
